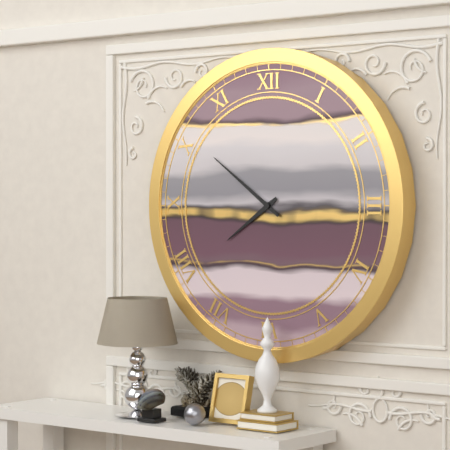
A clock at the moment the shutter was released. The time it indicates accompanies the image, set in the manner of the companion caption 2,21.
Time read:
7,51
